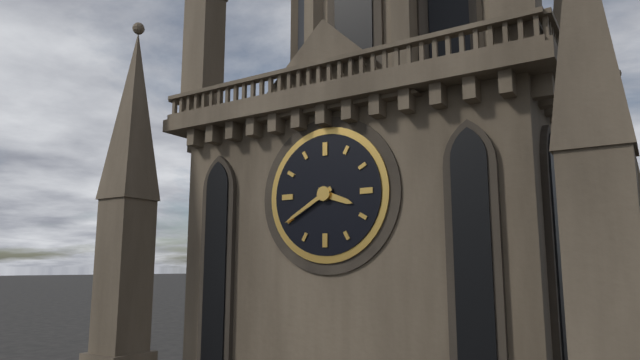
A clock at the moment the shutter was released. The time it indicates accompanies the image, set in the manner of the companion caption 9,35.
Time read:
3,40
